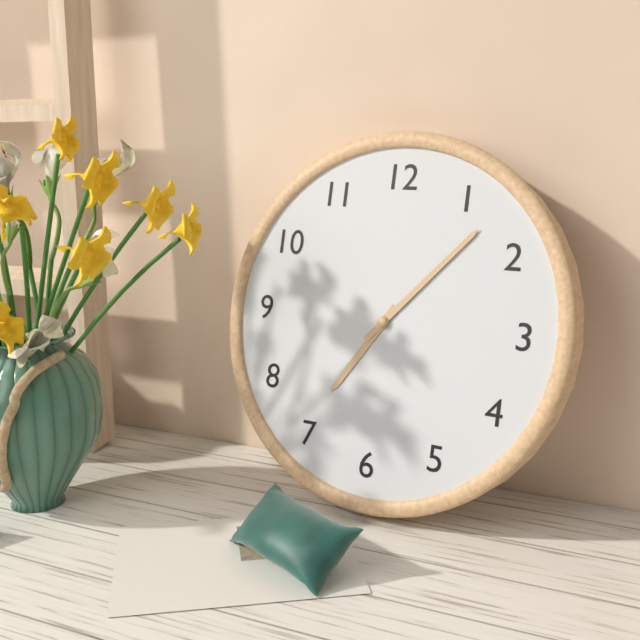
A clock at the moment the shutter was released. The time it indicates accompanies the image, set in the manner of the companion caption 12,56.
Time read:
7,07
